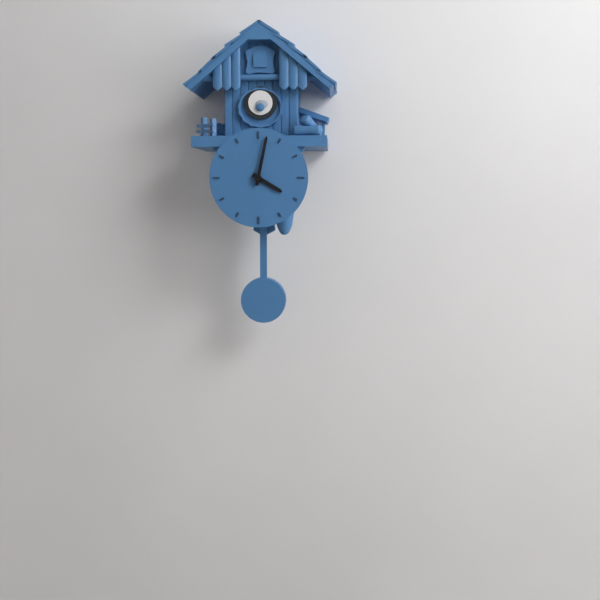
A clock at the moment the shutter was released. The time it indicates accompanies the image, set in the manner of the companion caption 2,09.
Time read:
4,02
